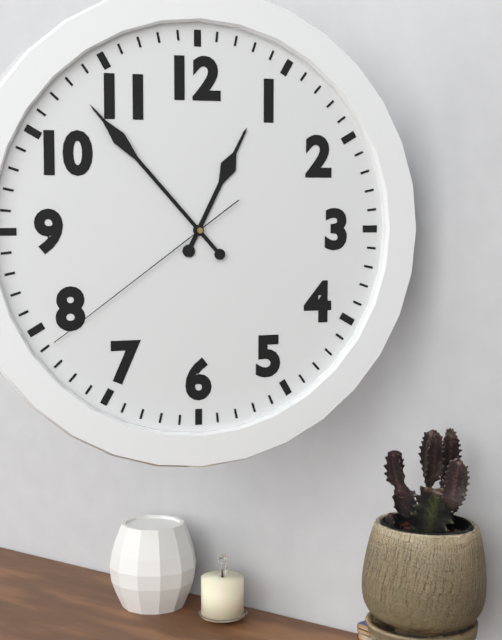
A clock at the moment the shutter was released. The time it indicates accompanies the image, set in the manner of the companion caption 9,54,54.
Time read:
12,53,39
